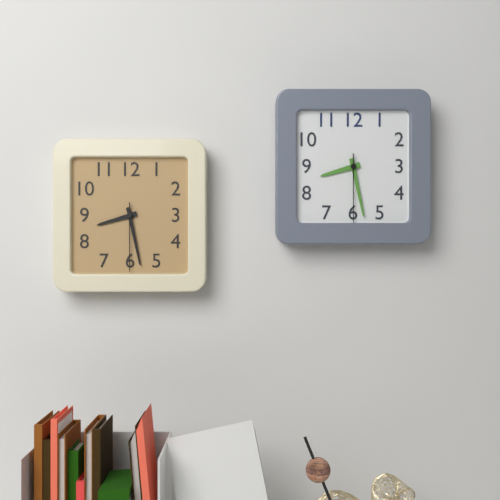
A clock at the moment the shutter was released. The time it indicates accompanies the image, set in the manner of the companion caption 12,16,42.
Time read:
8,28,30
